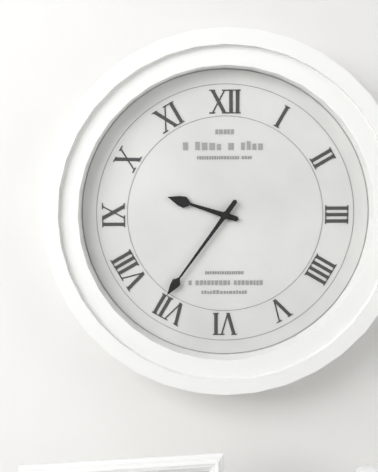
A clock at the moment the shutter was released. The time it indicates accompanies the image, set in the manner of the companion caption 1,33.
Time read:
9,36
